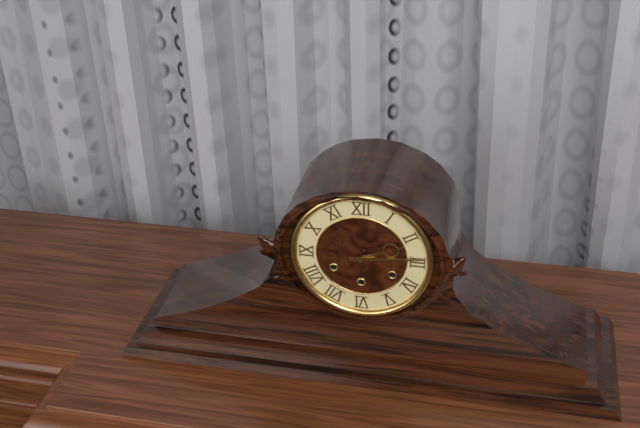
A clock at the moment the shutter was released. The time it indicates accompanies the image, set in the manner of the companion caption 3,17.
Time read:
2,14
